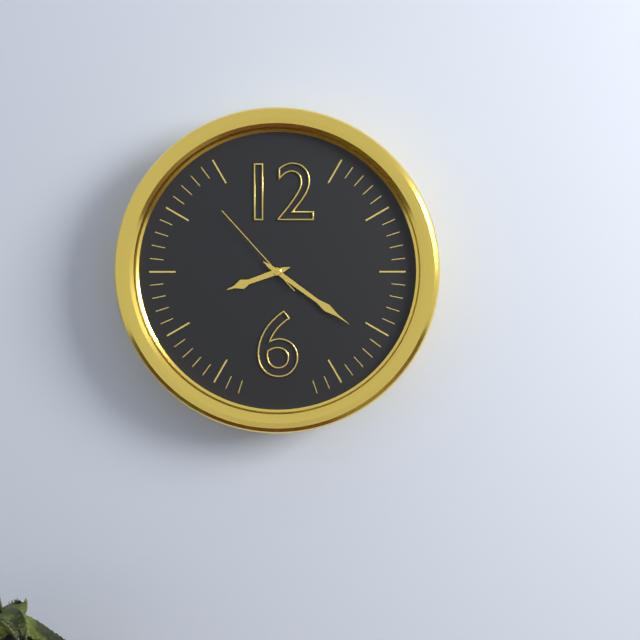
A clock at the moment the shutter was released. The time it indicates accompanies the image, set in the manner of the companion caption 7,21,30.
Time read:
8,21,53
